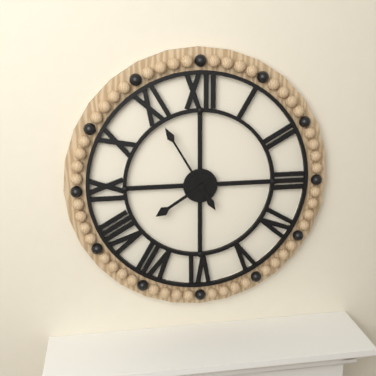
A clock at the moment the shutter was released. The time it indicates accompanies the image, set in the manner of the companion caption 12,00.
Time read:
7,55
